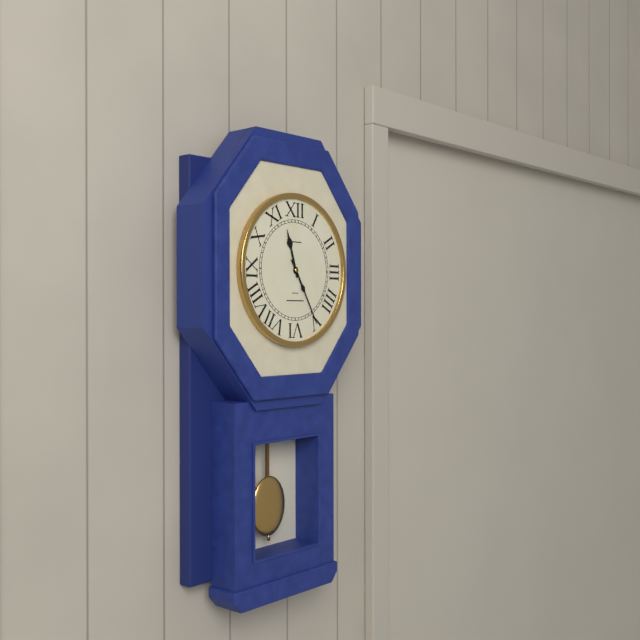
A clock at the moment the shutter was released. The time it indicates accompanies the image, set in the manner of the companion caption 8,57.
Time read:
11,25
